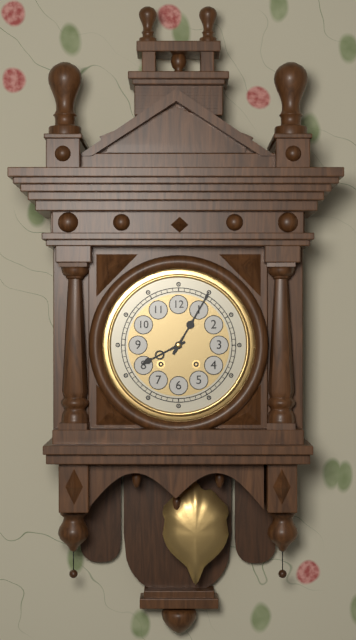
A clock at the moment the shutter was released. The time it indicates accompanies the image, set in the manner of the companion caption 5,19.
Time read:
8,05
